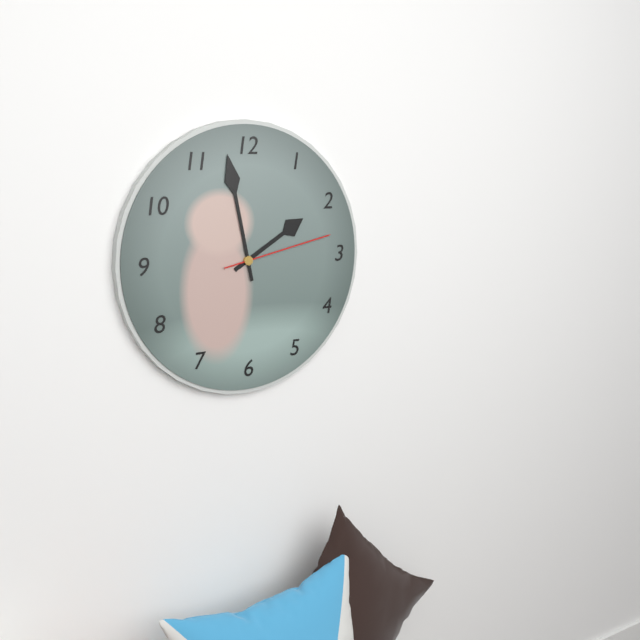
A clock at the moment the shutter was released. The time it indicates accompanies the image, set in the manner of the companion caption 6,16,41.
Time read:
1,58,13
